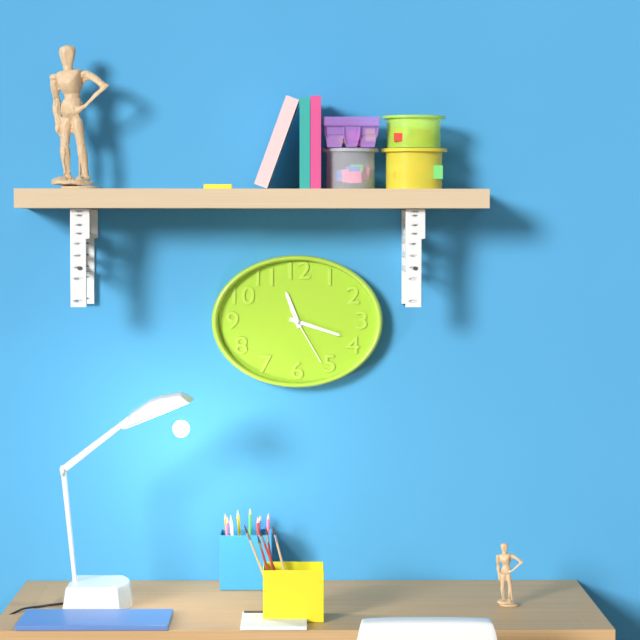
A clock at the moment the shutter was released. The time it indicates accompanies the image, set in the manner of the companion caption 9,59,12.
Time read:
11,18,25
